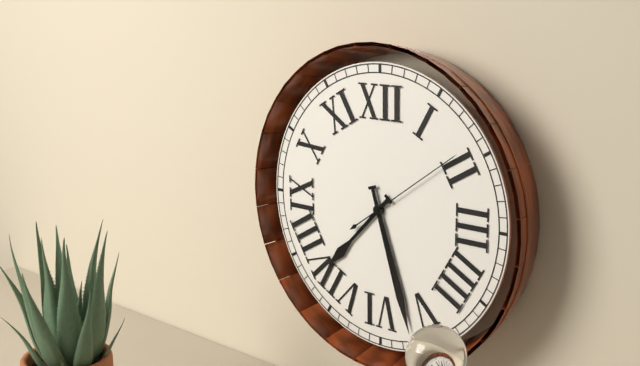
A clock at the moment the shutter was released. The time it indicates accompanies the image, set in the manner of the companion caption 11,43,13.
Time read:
7,27,09
